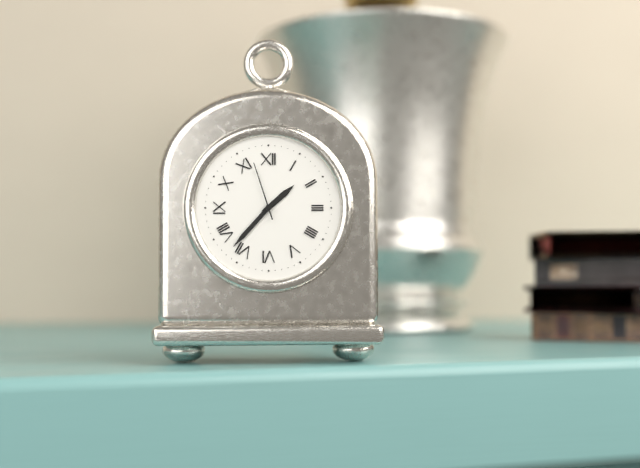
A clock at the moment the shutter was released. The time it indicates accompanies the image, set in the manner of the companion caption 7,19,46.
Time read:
1,37,57
